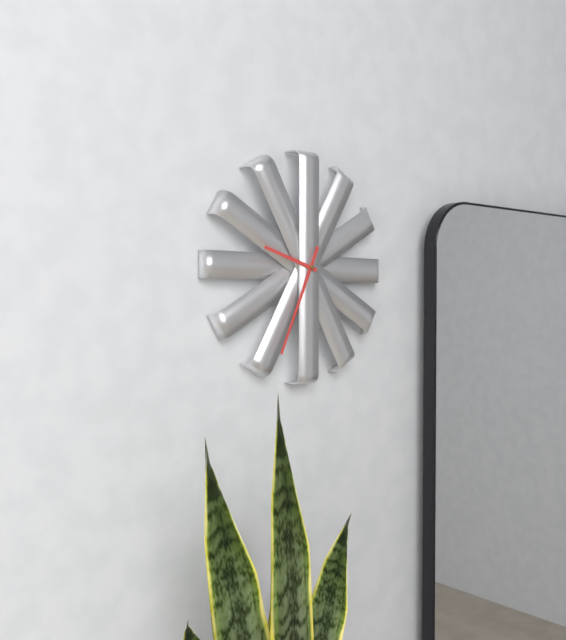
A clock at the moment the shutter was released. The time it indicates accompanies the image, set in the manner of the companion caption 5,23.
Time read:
9,34
